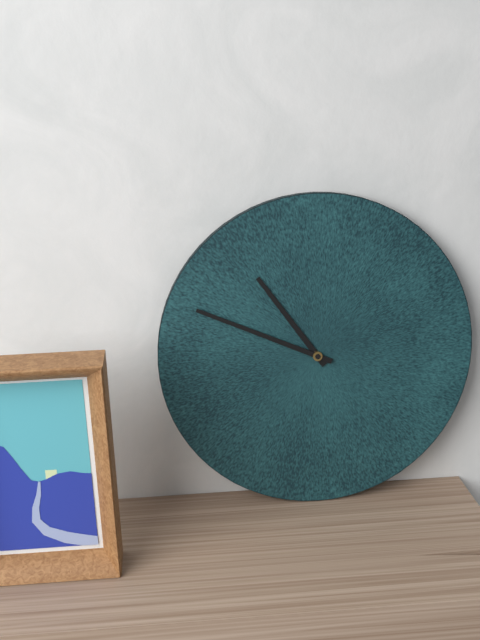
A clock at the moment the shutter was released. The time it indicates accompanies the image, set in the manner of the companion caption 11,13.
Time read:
10,49
